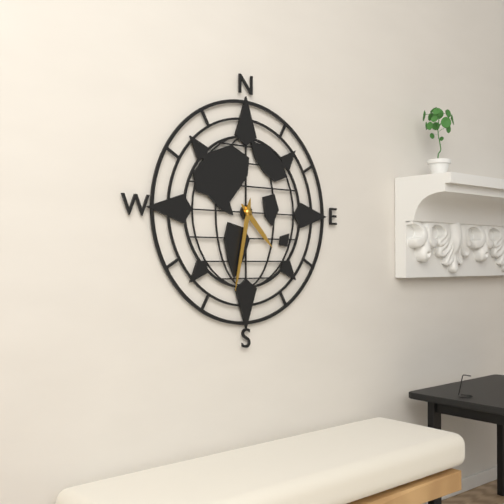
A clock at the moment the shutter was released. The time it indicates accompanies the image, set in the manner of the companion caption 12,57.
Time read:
4,32
